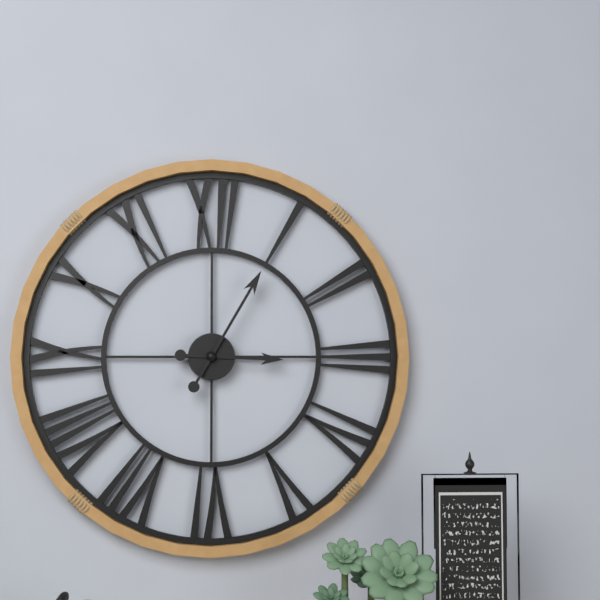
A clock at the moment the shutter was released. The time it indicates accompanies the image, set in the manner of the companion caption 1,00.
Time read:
3,05
